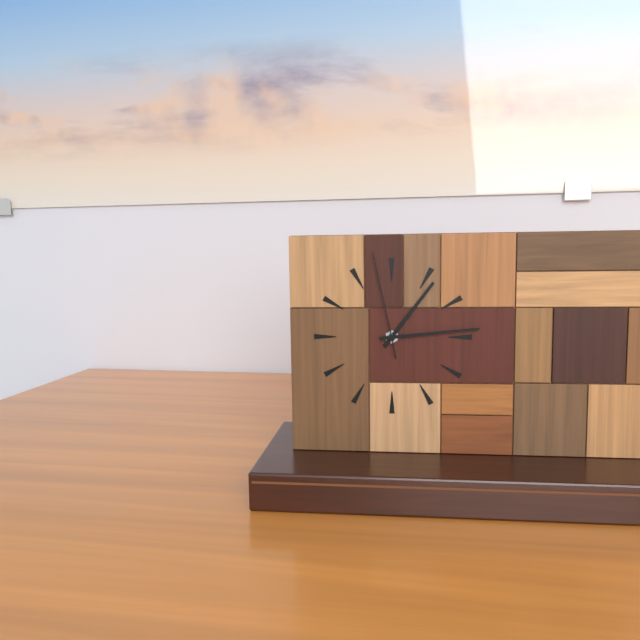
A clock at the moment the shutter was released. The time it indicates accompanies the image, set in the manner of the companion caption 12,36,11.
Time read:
1,14,58
